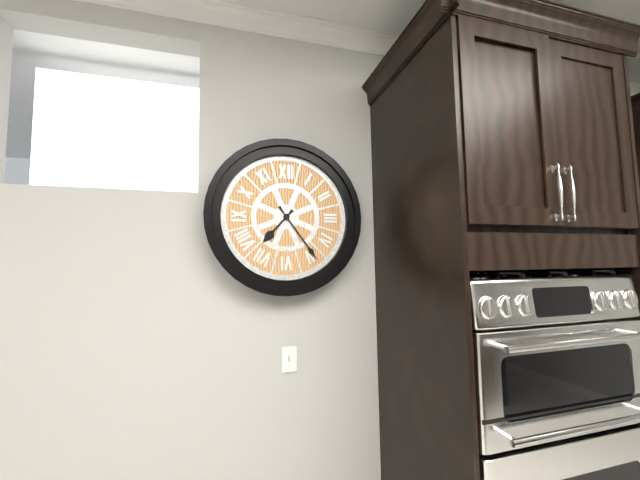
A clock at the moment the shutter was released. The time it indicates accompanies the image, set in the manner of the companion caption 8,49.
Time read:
7,24
